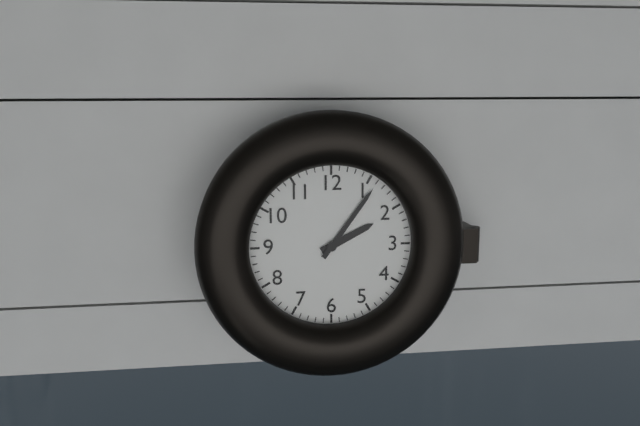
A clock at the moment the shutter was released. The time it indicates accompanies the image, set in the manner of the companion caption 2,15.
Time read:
2,06
